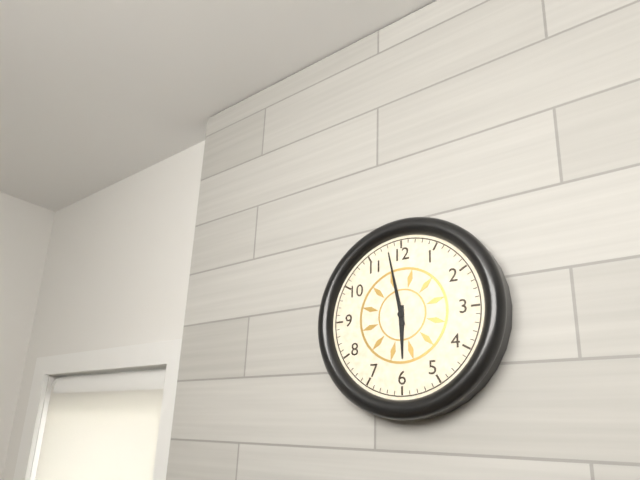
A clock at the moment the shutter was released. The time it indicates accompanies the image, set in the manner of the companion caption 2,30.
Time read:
5,58
